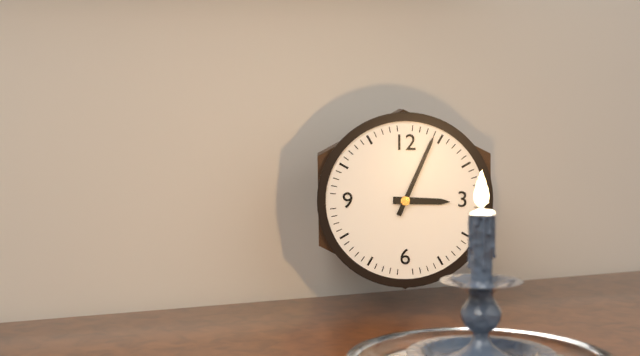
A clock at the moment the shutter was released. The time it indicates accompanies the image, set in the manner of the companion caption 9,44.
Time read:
3,04
